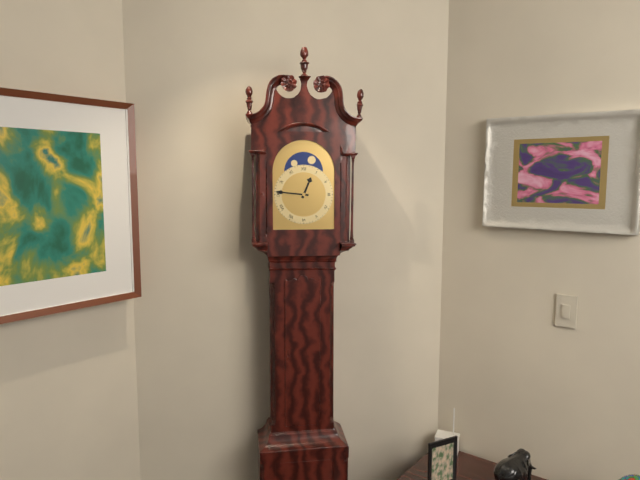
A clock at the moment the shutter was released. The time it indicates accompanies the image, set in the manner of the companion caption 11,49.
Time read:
12,46
